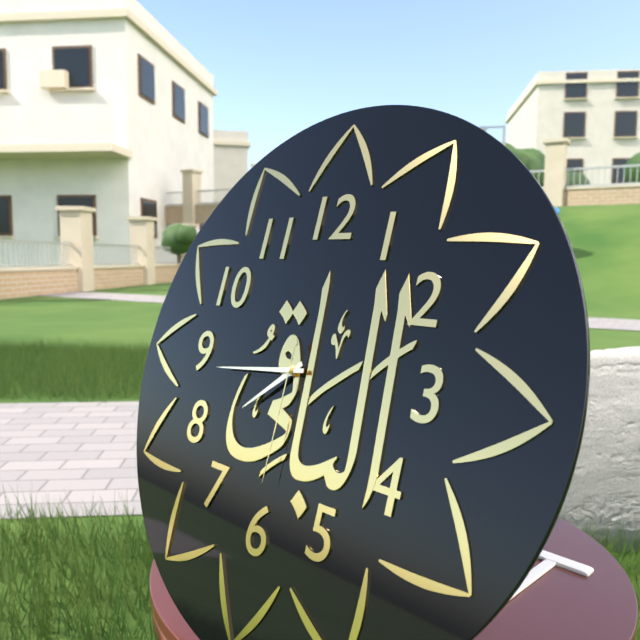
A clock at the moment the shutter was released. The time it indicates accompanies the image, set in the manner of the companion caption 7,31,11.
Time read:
7,44,30
